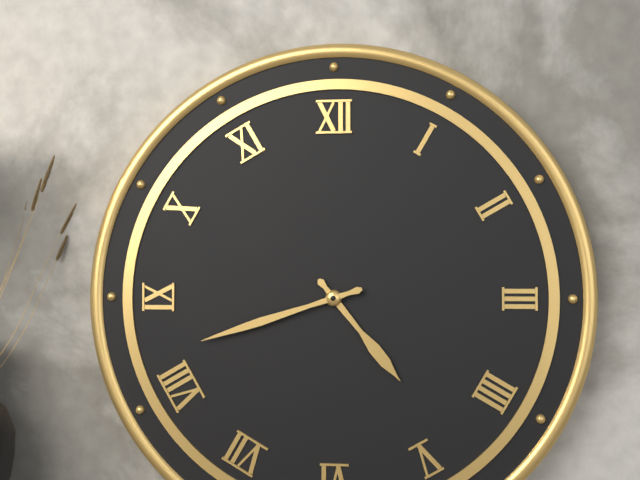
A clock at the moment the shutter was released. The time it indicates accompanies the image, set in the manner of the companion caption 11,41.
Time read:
4,42
